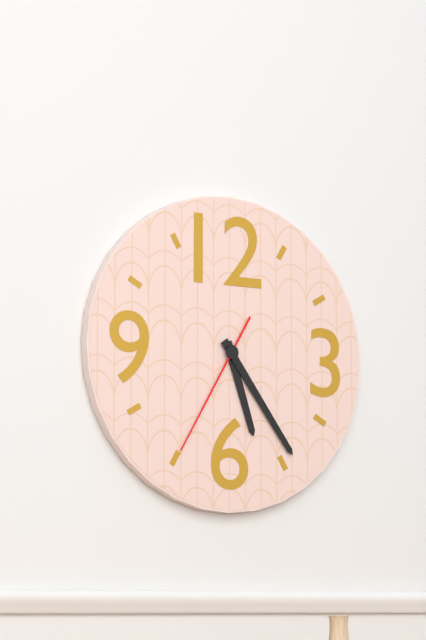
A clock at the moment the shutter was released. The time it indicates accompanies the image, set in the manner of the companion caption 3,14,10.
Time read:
5,24,35
